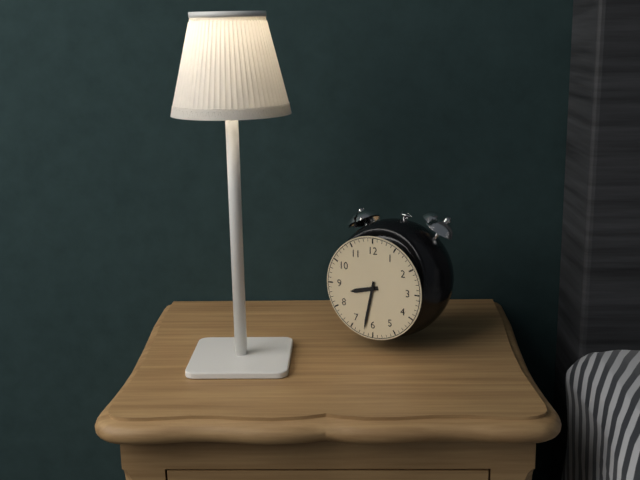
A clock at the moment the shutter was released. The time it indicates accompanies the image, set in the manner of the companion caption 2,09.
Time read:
8,32
